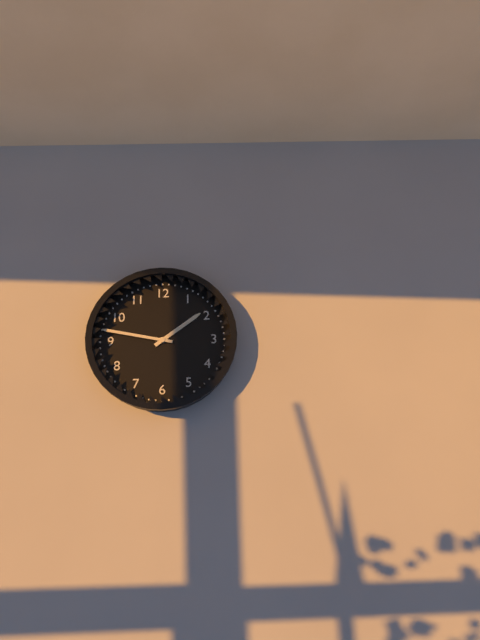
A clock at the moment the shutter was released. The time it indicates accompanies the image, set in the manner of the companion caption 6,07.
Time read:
1,47
